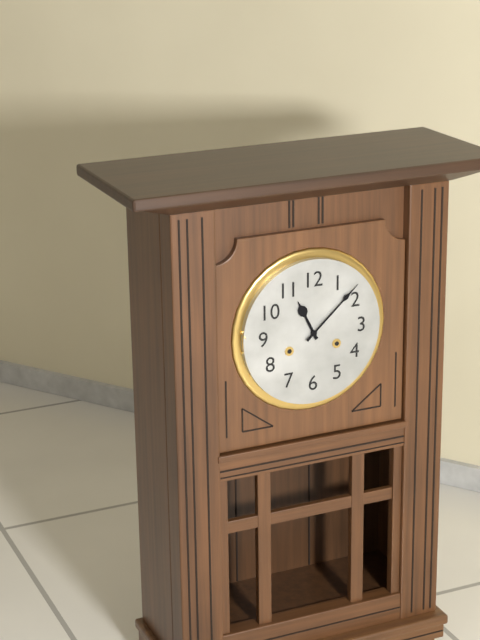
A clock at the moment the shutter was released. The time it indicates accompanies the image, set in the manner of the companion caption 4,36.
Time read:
11,08
